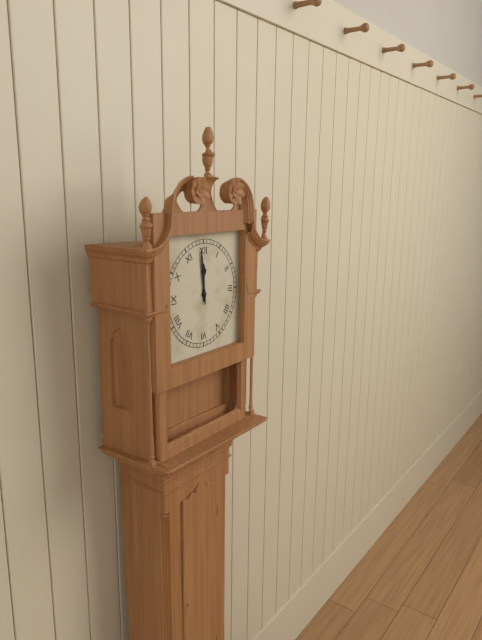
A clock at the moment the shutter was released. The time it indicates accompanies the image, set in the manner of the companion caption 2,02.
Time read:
11,59
